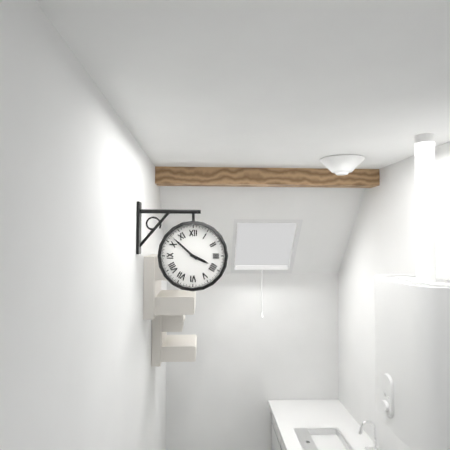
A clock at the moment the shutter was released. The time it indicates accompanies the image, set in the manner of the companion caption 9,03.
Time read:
3,52
